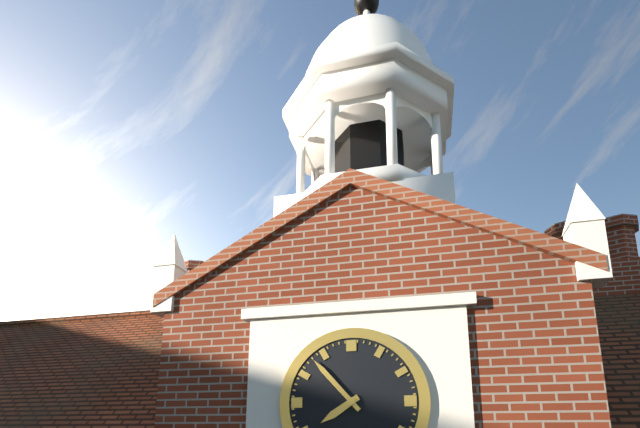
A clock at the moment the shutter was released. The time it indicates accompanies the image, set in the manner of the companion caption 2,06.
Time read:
7,53
